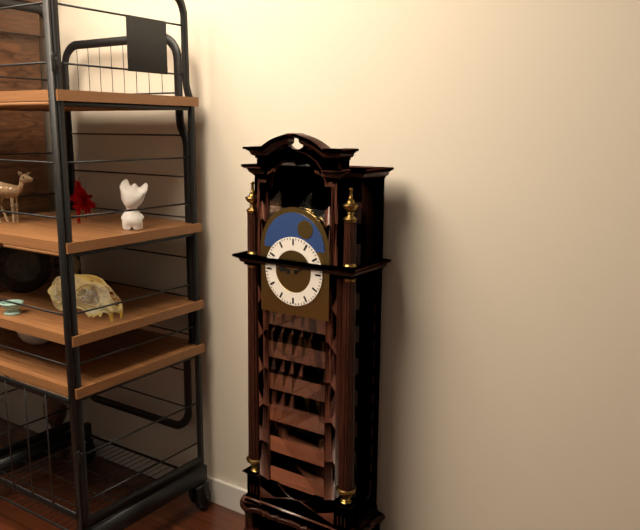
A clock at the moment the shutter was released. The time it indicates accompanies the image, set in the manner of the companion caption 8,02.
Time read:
9,12
